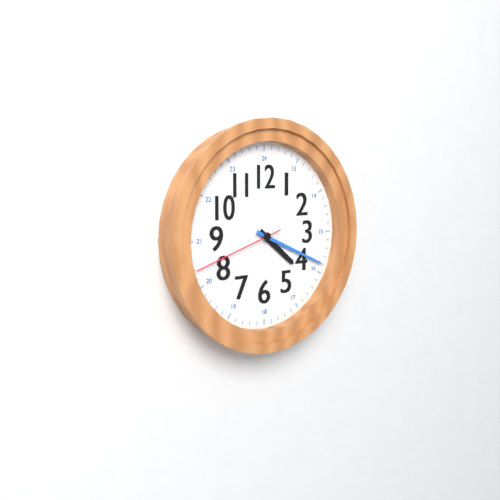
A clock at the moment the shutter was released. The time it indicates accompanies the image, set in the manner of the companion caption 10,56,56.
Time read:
4,19,42
